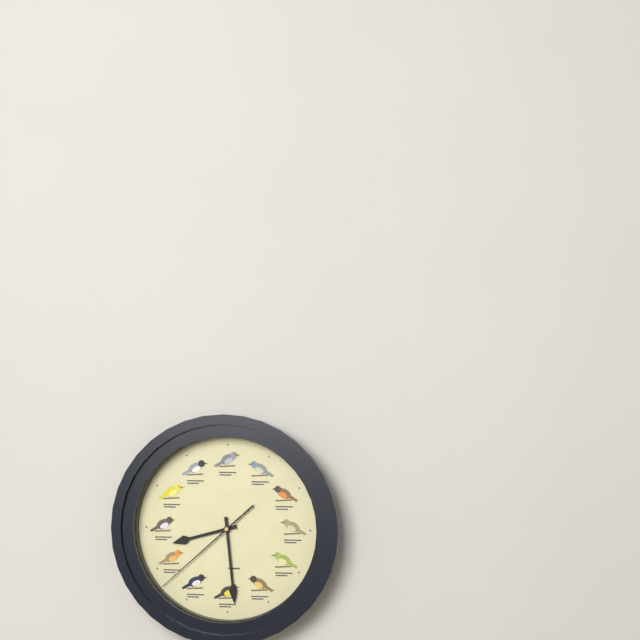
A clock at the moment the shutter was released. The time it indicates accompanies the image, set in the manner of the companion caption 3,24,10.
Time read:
8,29,38
